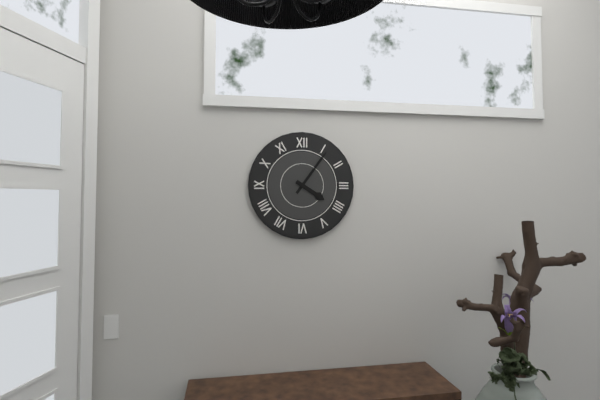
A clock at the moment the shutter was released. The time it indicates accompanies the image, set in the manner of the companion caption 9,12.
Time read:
4,06
